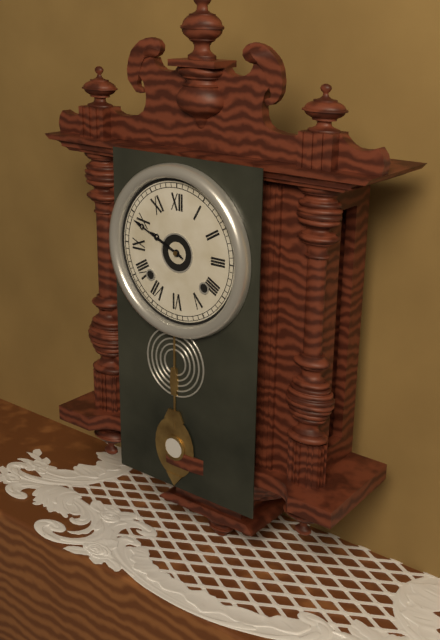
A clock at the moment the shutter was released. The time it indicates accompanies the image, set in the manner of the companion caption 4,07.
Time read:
9,49
